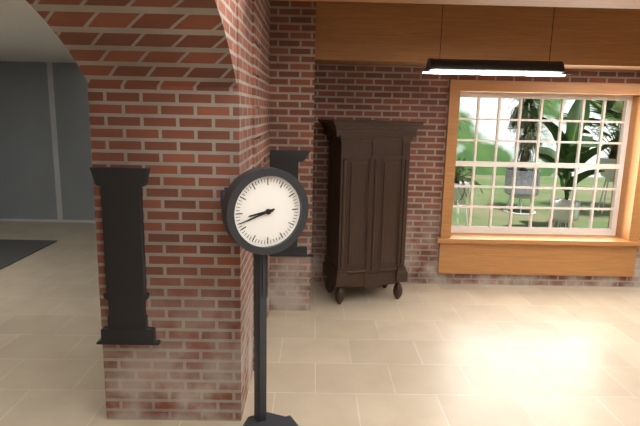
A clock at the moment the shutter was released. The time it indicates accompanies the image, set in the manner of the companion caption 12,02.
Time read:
8,42
